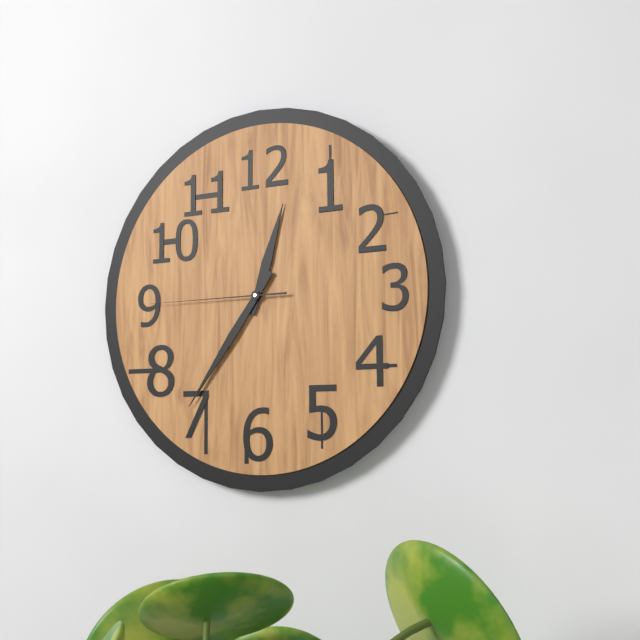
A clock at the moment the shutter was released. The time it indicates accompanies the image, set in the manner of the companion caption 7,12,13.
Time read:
12,36,45
